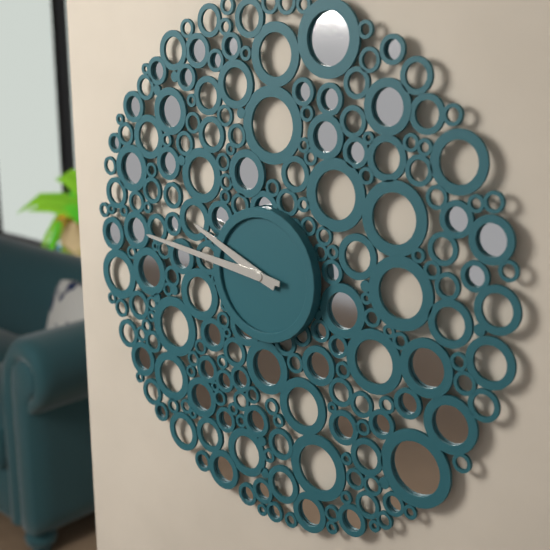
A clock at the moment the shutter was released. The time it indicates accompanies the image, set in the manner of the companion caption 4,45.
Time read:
9,46
